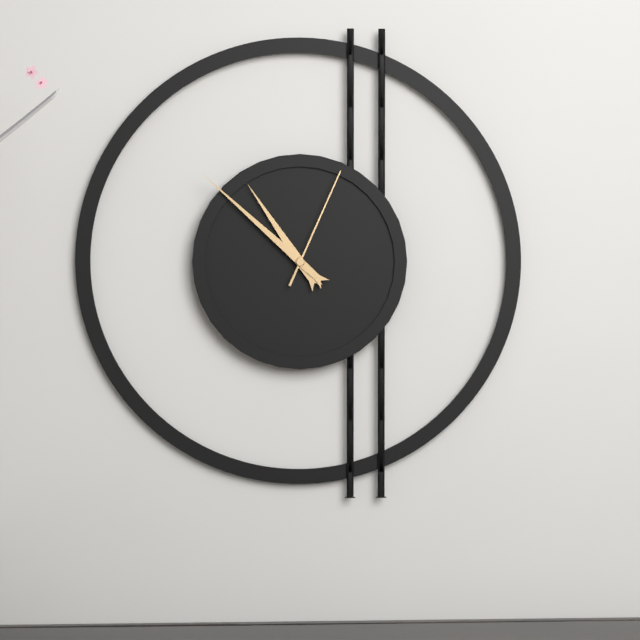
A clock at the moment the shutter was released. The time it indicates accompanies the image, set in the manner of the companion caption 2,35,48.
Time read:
10,52,04
